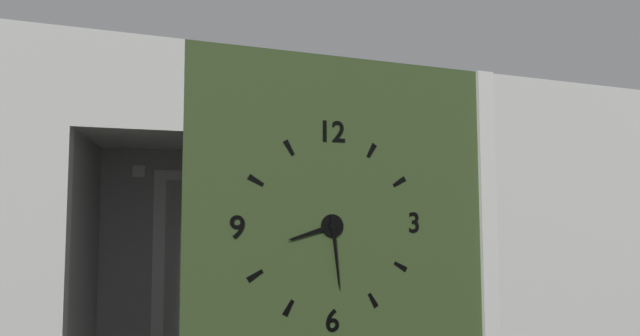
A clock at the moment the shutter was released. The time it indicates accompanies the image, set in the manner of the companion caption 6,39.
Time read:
8,29
